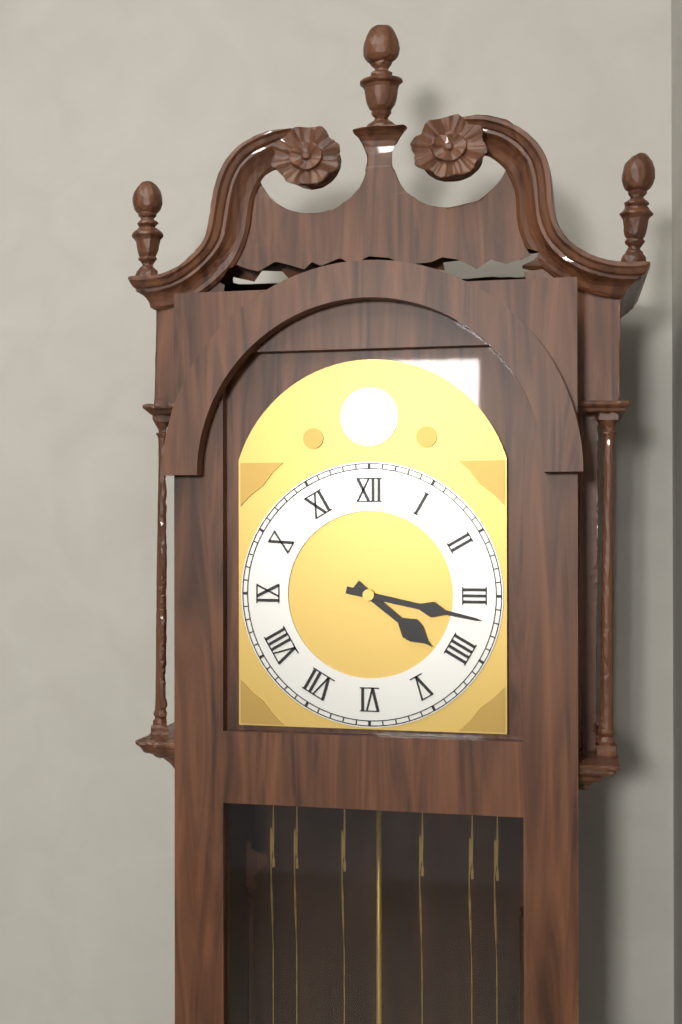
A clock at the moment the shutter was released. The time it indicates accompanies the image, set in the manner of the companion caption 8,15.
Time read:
4,17
